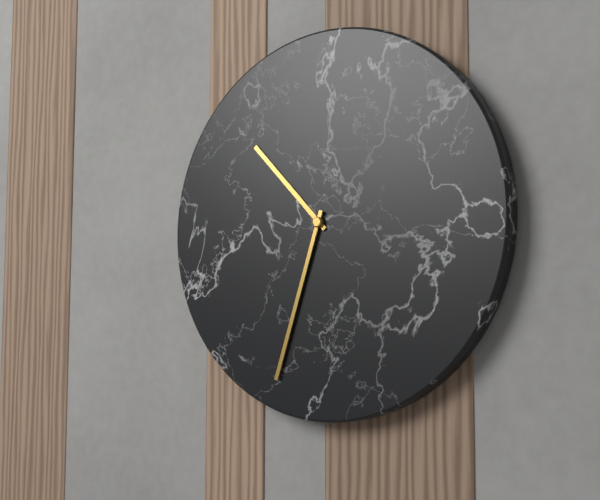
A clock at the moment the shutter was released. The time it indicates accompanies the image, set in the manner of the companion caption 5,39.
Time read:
10,33
